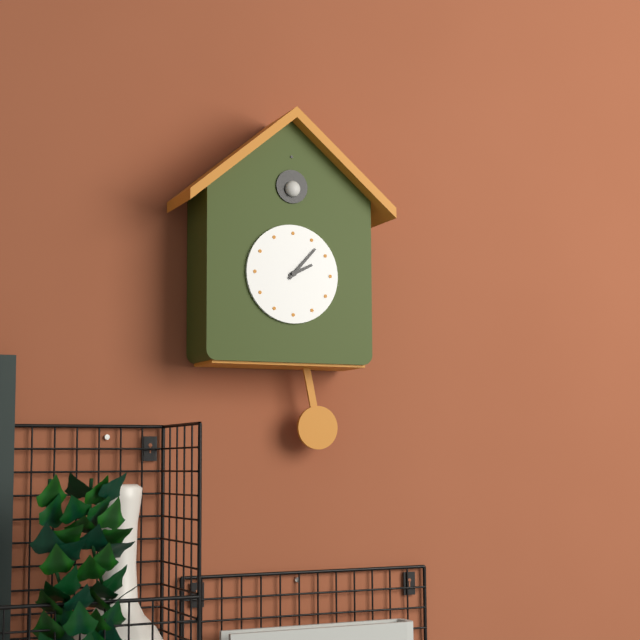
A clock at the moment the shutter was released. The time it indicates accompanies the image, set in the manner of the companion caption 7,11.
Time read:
2,07
